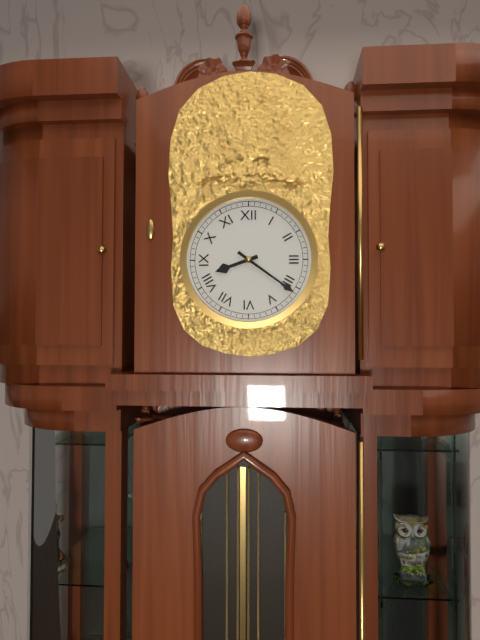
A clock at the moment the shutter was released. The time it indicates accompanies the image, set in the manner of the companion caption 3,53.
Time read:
8,21
